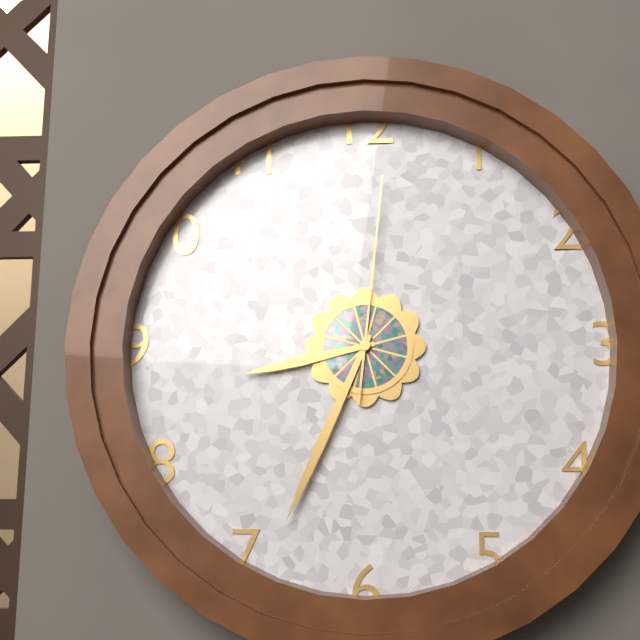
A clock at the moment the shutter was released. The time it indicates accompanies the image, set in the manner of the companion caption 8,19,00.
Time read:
8,34,01
